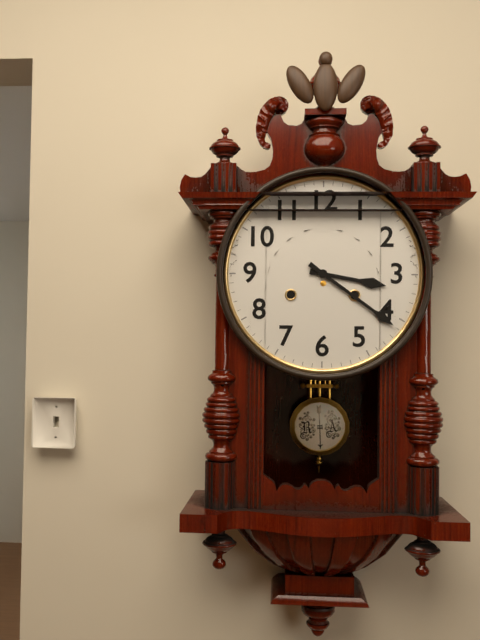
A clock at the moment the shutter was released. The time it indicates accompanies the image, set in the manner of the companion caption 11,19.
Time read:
3,21
